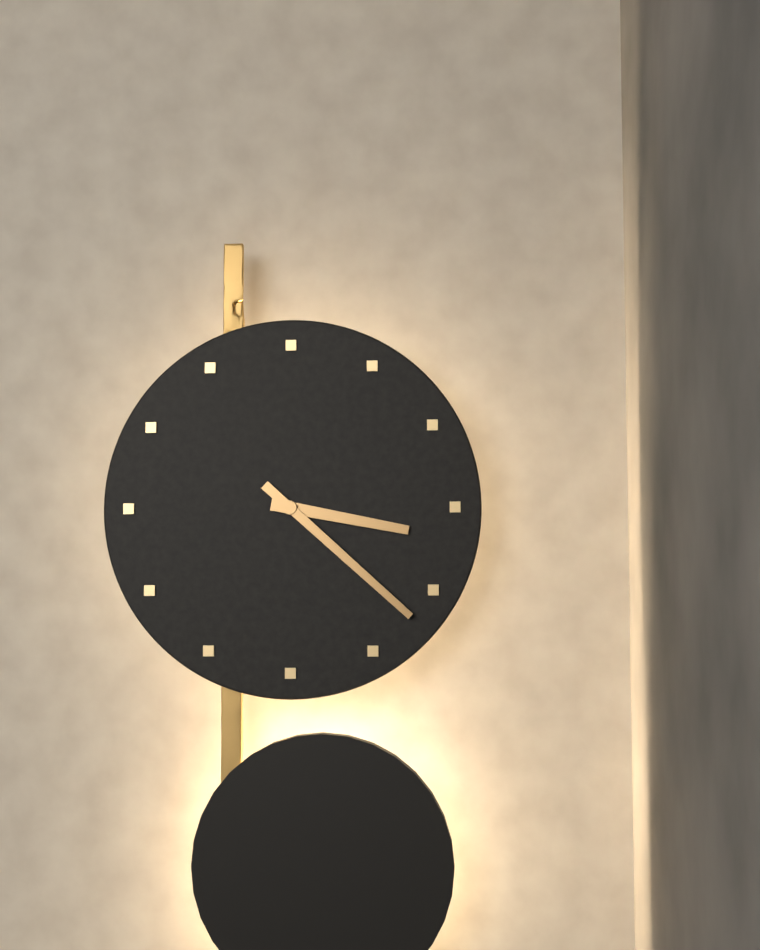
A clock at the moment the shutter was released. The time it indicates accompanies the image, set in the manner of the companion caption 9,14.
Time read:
3,22
